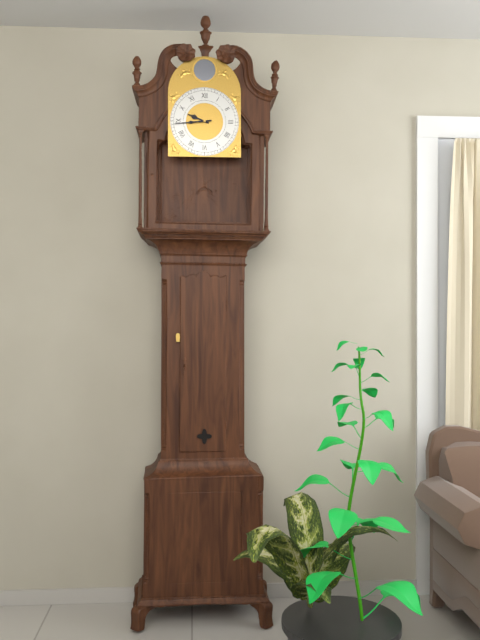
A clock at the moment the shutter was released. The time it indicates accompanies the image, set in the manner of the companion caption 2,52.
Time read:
9,44
